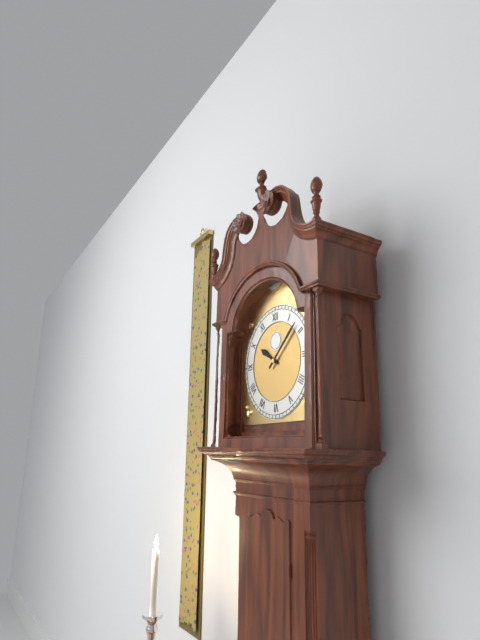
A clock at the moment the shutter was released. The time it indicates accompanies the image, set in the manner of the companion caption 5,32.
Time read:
10,08
